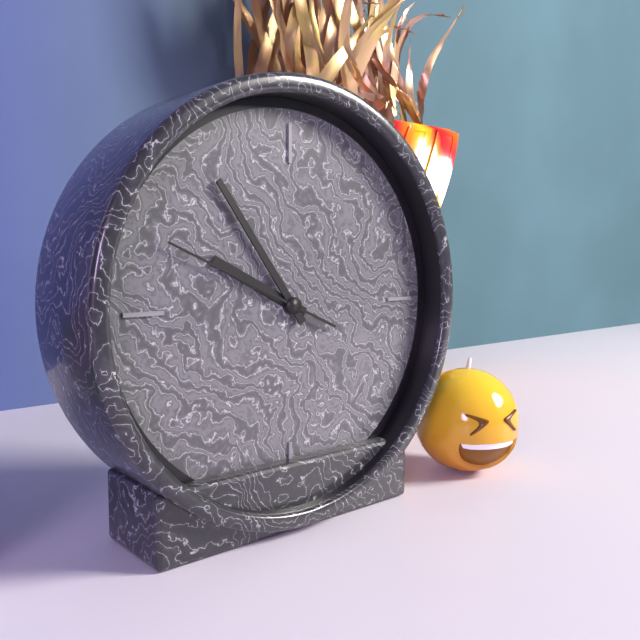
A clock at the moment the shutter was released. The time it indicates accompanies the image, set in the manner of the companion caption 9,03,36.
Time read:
9,54,49
